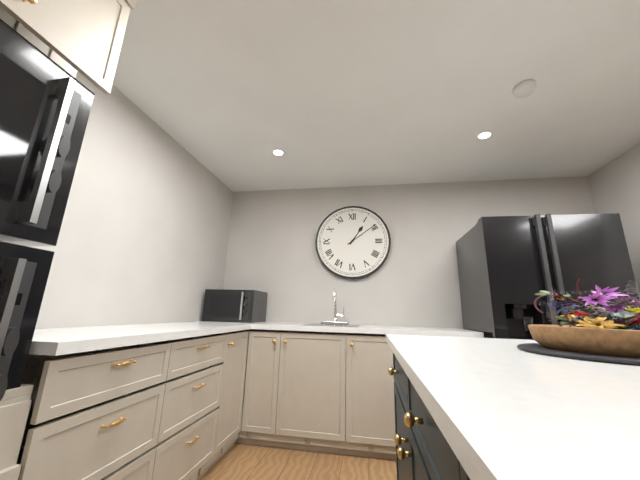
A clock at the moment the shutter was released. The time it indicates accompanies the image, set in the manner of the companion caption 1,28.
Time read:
1,09
